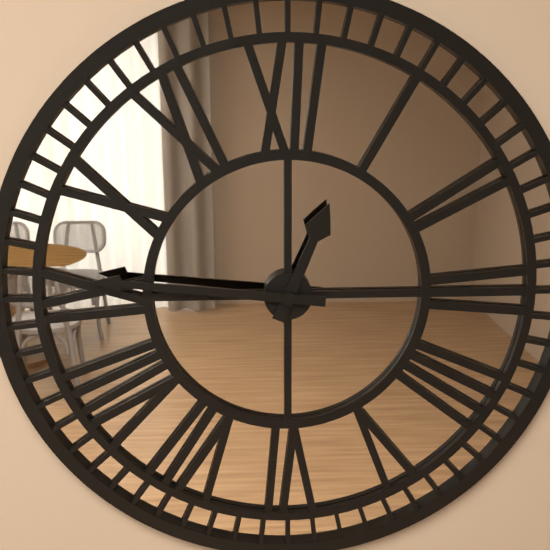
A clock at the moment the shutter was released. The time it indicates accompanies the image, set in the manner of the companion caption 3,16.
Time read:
12,46
